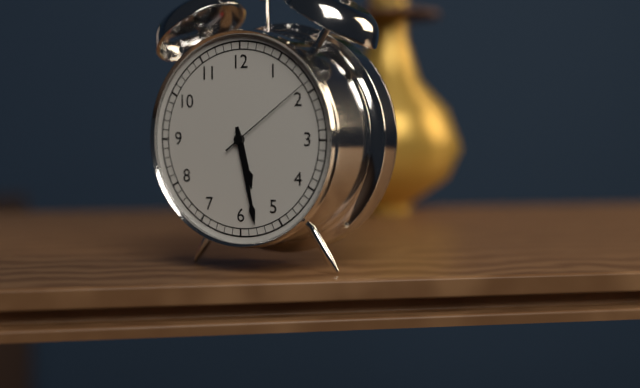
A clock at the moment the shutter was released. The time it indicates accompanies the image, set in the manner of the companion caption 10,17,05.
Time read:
5,28,09
